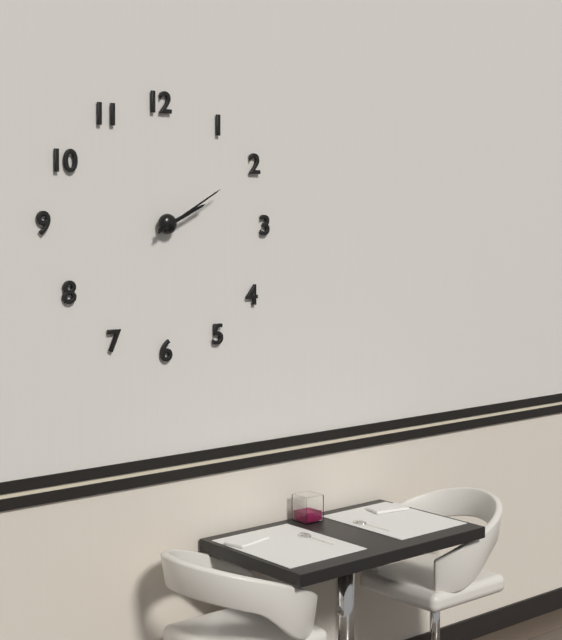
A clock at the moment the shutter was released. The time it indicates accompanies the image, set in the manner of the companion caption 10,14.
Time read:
2,10
